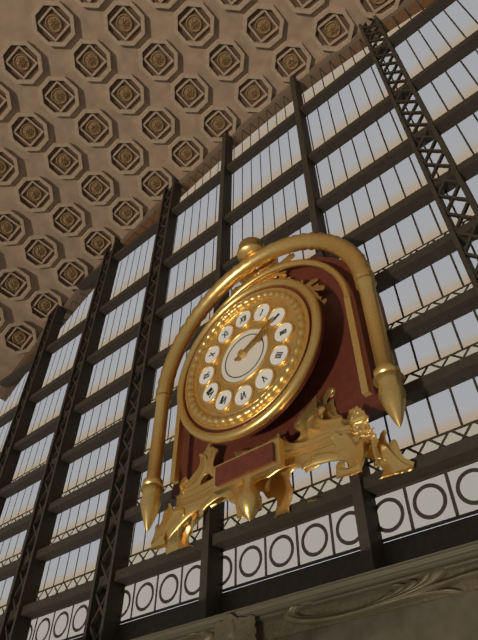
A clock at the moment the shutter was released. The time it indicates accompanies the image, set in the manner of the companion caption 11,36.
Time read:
2,10
